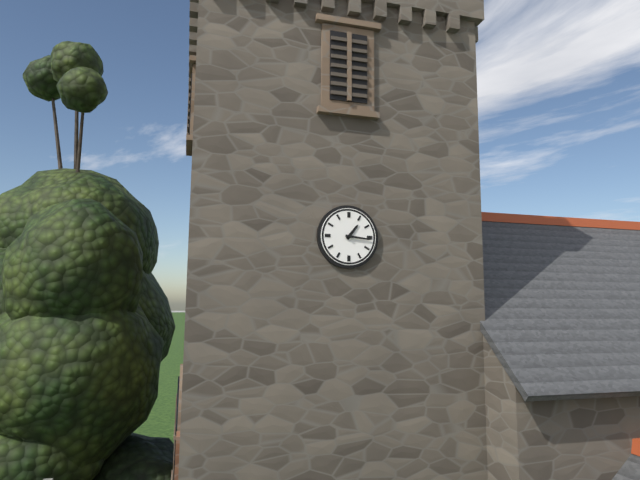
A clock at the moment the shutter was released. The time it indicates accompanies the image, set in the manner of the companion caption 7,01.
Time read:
1,16
